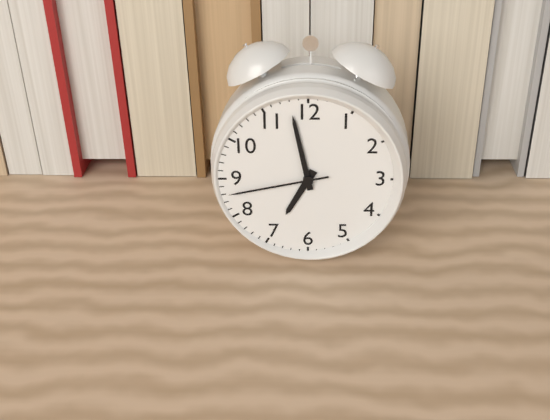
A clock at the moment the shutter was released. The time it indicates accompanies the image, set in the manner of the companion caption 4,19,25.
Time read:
6,58,43
